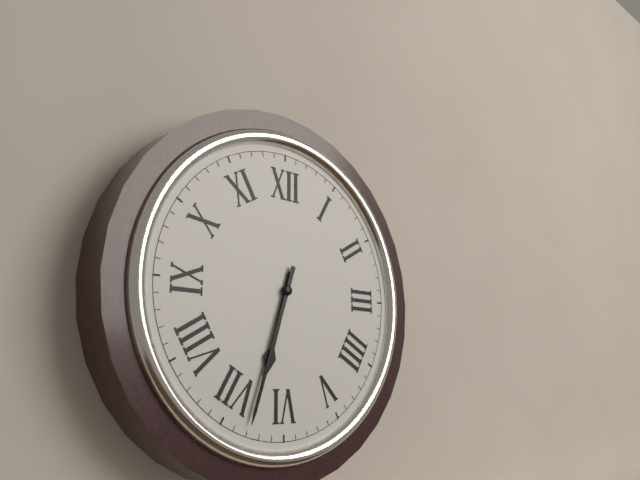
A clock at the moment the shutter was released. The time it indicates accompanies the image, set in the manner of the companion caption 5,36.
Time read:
6,33
